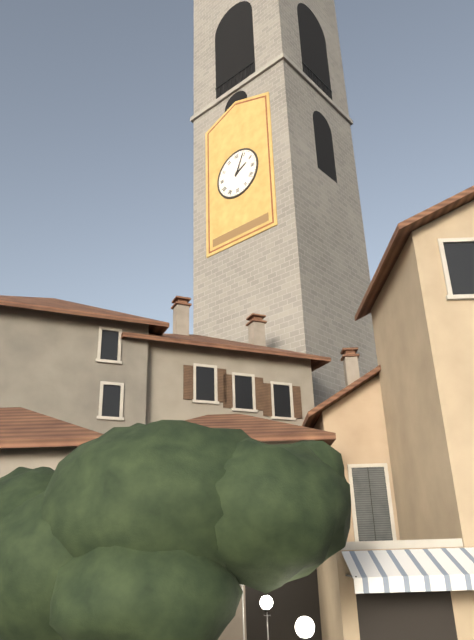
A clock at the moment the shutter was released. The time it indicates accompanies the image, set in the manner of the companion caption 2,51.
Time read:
2,04
